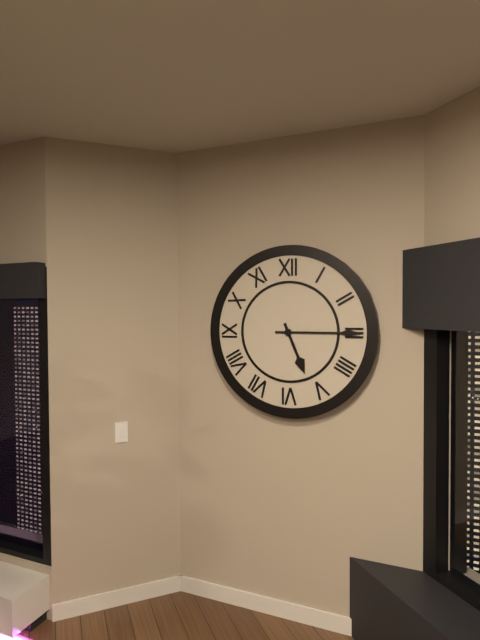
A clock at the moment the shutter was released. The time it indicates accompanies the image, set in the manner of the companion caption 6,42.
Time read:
5,15
